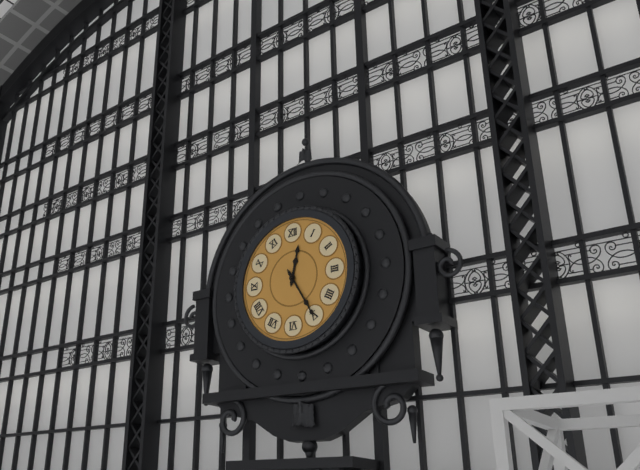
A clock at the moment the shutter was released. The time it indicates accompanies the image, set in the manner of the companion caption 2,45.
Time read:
12,25
